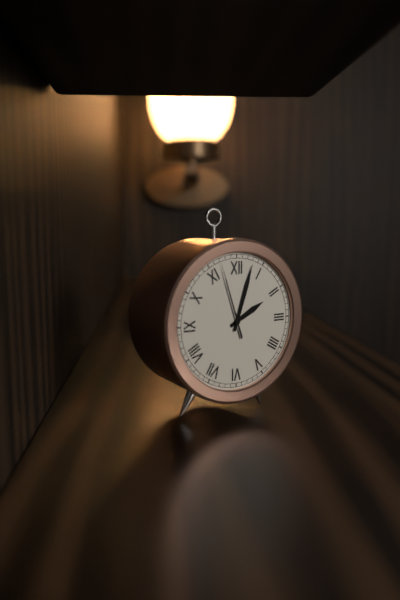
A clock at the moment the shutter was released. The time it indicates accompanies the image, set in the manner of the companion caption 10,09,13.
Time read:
2,03,57
